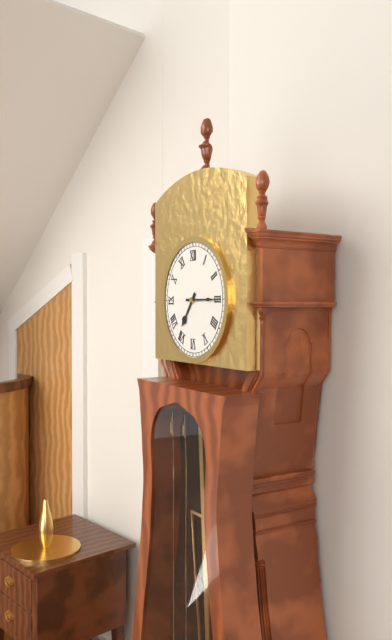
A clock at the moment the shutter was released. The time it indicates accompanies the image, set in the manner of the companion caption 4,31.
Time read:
7,15
